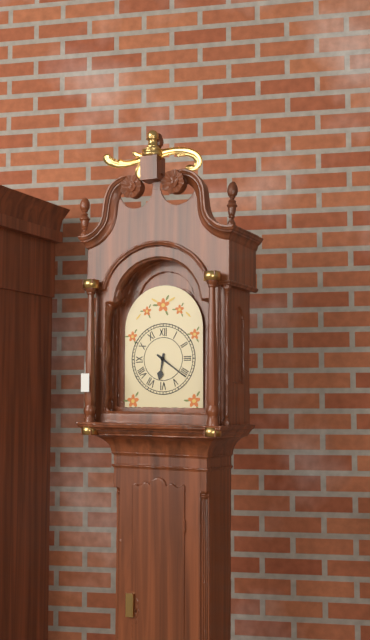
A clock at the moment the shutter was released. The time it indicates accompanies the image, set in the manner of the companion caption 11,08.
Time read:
6,21
